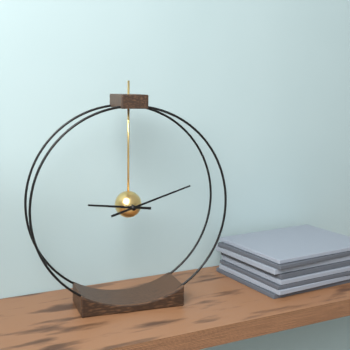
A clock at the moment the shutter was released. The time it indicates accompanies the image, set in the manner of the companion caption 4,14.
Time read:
9,12
